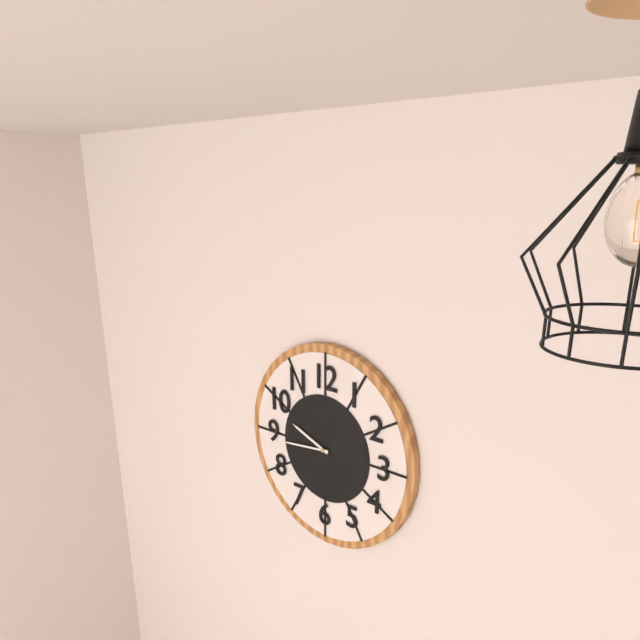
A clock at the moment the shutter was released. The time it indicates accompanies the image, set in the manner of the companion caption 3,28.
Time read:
9,44
